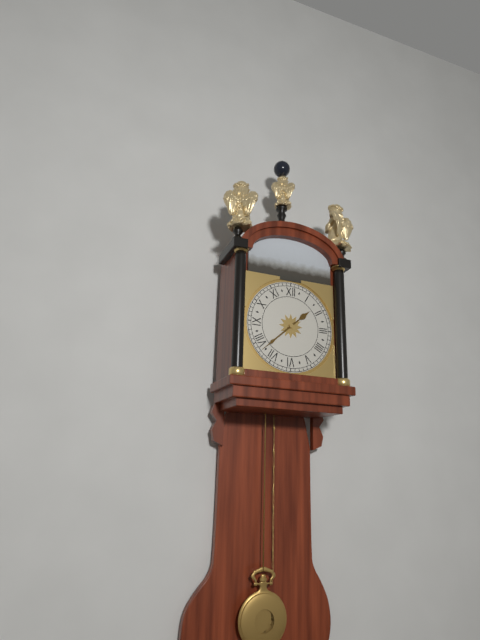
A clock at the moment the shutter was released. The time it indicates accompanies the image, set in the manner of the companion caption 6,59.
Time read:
1,38
